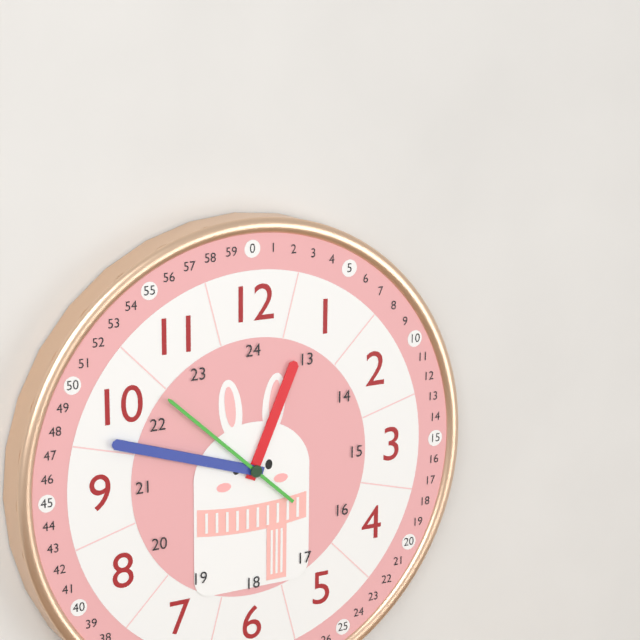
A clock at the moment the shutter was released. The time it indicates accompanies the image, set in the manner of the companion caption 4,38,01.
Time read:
12,48,52
